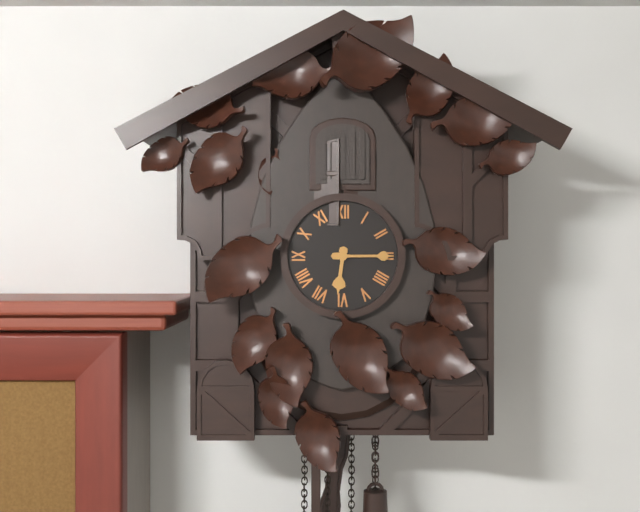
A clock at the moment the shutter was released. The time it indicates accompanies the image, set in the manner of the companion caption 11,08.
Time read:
6,15
